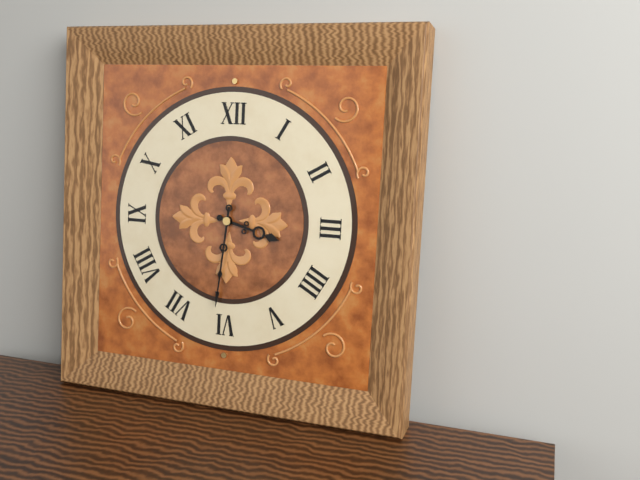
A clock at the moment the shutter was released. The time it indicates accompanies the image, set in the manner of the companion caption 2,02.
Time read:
3,31
